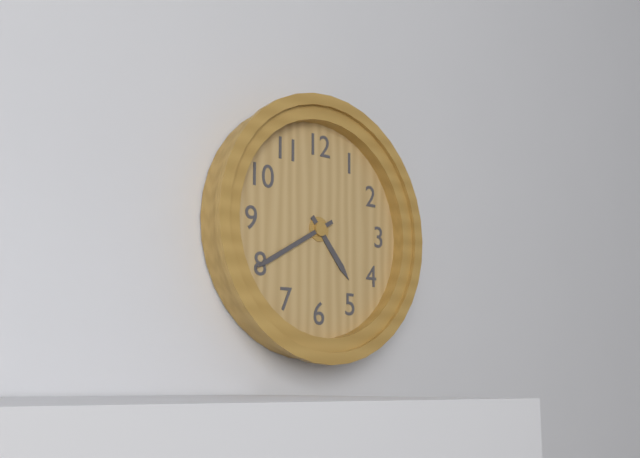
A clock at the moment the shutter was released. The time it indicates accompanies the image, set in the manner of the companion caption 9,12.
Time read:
4,40
